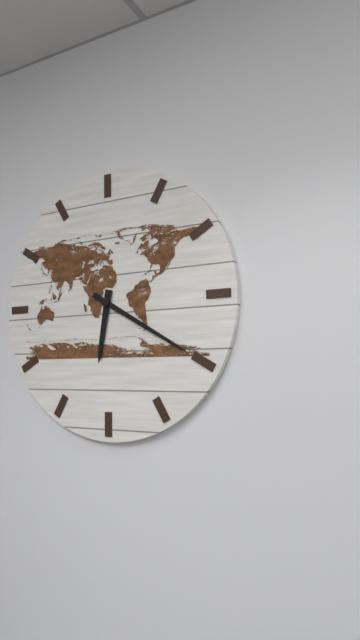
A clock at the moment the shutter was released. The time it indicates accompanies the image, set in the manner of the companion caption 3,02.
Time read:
6,20
